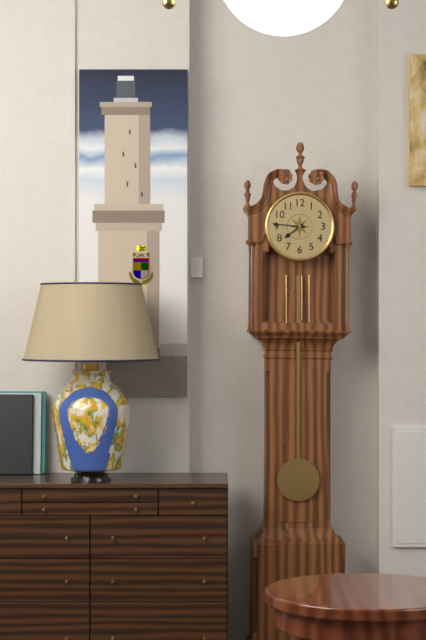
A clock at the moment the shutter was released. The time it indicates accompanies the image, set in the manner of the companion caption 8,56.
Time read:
7,46
